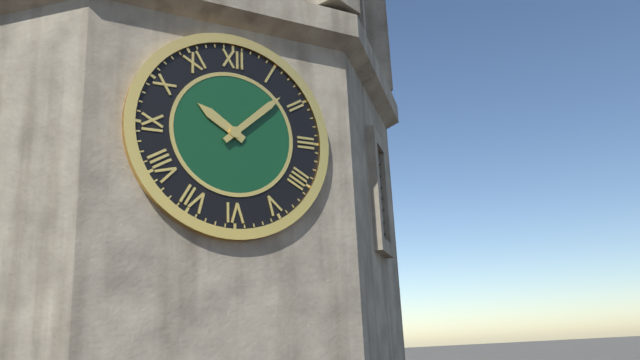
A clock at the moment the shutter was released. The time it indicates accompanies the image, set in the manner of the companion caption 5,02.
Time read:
10,08
